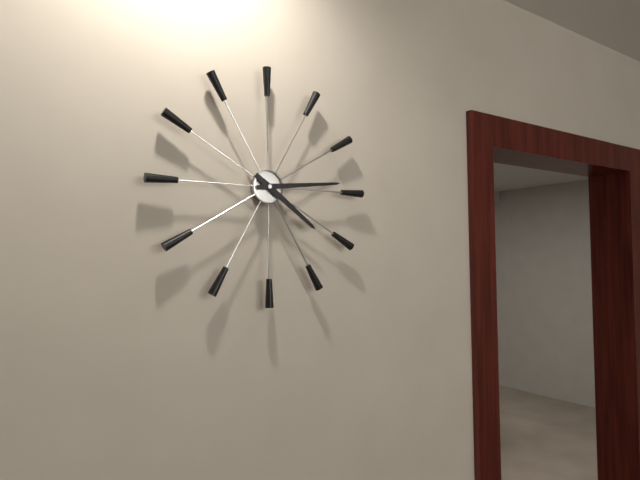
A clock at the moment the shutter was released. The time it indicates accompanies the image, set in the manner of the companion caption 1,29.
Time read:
4,14
